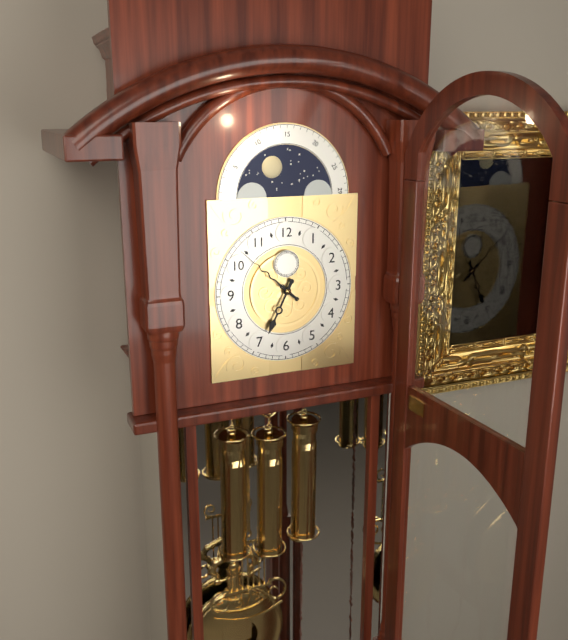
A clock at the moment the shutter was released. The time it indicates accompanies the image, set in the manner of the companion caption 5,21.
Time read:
6,52
